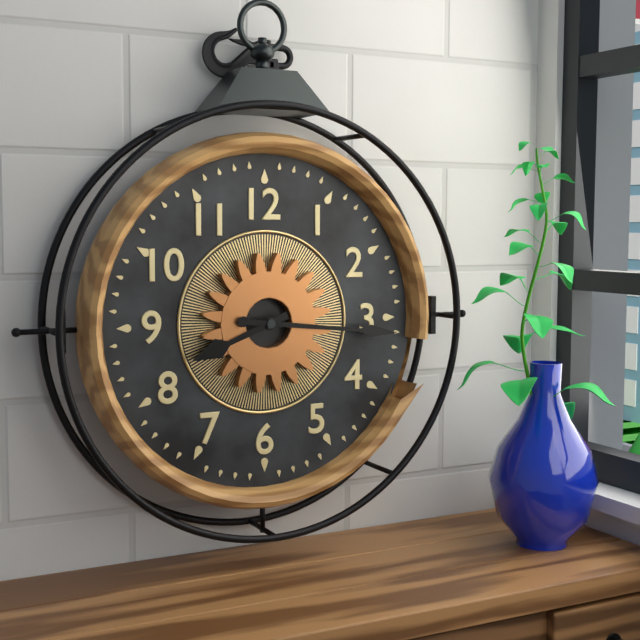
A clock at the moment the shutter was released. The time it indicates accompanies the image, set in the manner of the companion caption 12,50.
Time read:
8,16
